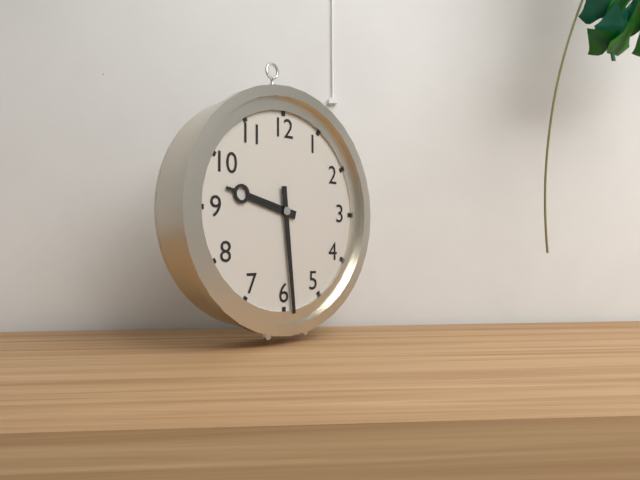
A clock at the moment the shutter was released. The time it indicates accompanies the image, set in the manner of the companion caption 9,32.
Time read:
9,29
